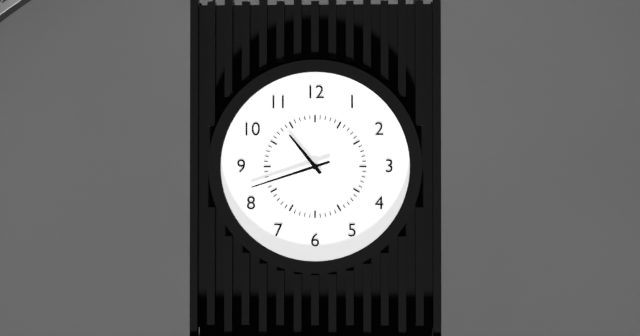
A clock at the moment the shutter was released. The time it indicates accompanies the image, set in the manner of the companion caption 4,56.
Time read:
10,42
